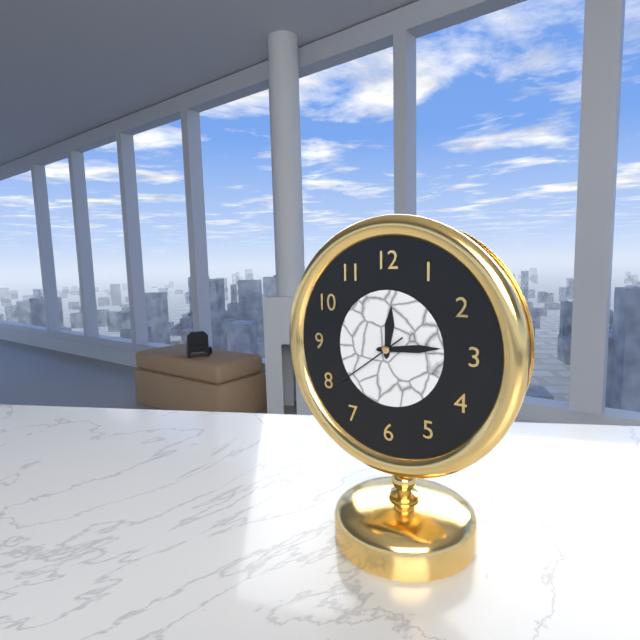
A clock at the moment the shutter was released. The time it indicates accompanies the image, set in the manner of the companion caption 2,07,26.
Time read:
12,14,39
